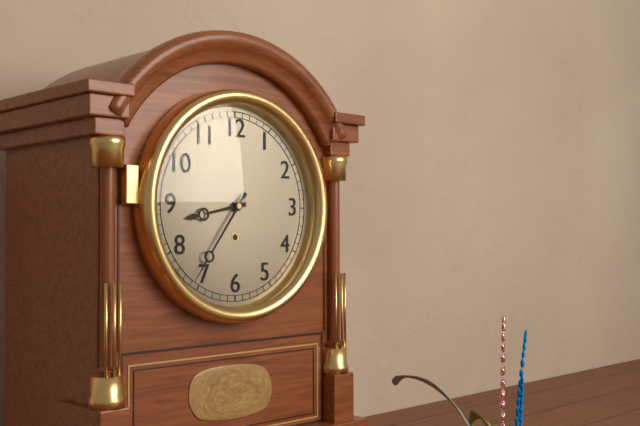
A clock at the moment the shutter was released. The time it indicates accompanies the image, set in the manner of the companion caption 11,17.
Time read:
8,36
